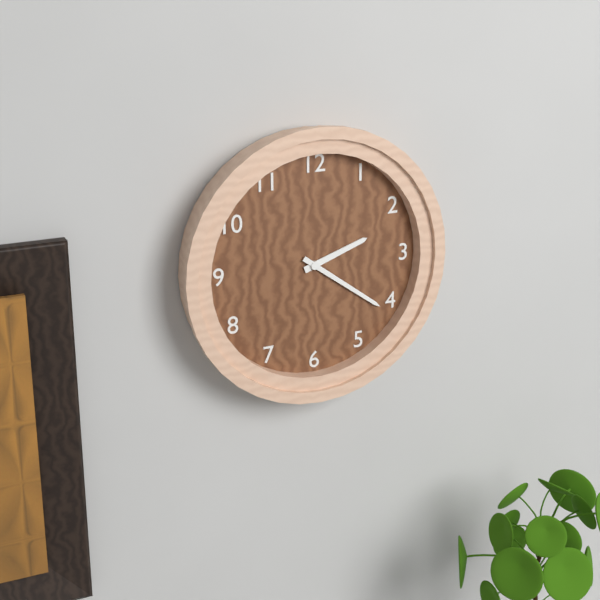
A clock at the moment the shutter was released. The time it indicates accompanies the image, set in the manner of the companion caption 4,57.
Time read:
2,21
